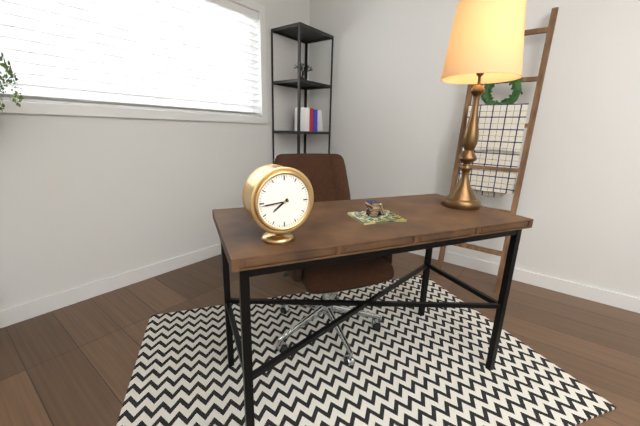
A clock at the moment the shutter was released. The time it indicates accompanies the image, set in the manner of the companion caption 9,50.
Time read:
7,44
